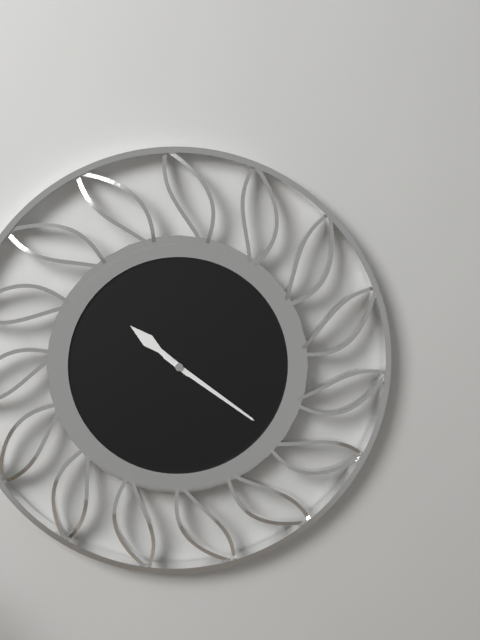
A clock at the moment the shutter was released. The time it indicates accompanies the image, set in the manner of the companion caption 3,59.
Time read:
10,21
